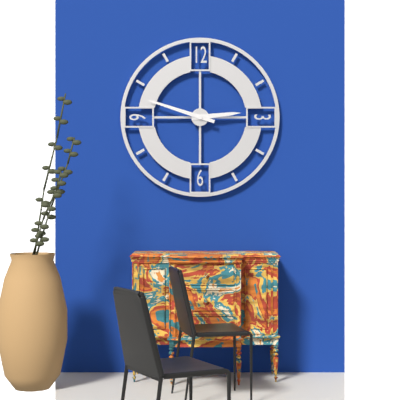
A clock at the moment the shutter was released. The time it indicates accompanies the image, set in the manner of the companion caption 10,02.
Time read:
2,48
